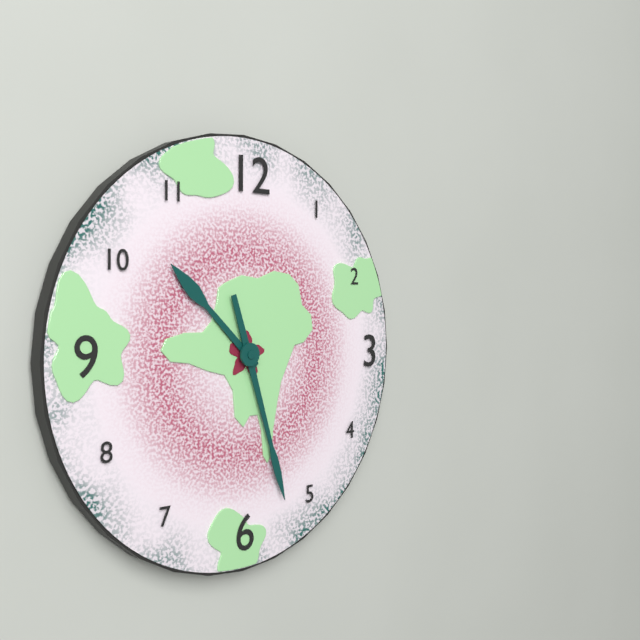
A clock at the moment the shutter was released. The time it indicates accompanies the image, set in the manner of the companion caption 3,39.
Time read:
10,27
